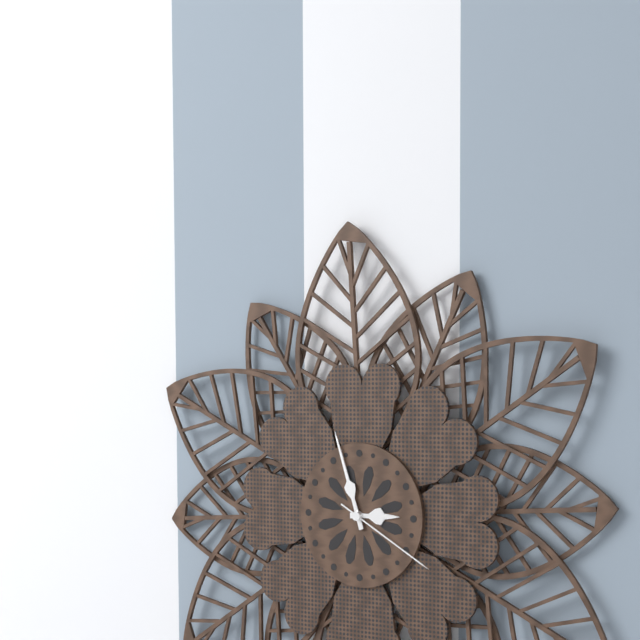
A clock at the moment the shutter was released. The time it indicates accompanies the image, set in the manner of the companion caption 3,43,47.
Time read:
2,57,20
